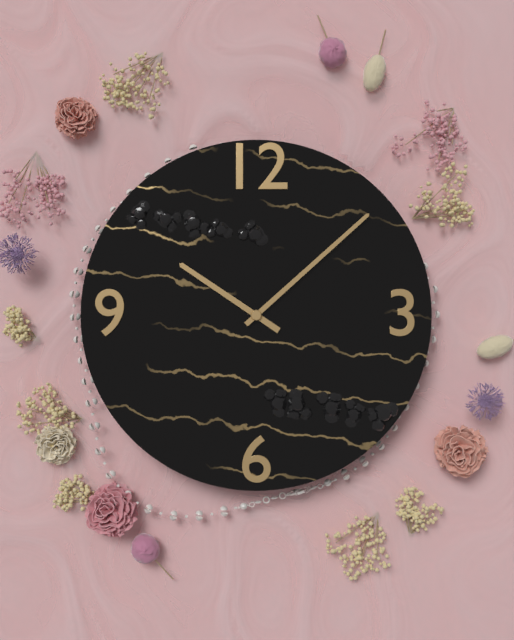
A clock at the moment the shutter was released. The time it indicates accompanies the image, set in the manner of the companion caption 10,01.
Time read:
10,08
